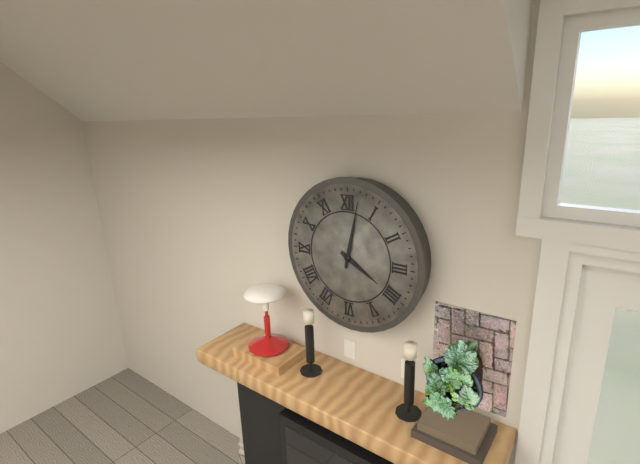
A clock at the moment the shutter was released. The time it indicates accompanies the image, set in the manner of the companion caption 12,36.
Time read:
4,02
